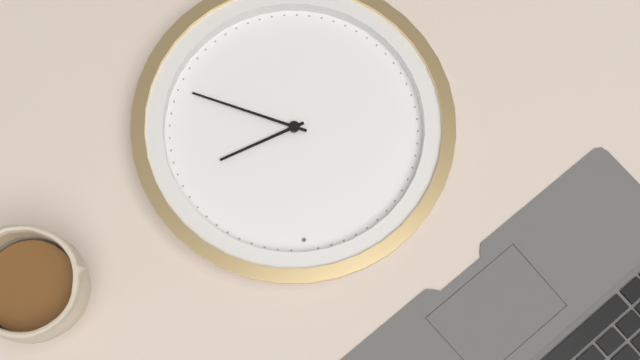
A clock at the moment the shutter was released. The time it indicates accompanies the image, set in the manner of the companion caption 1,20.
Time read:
2,19
